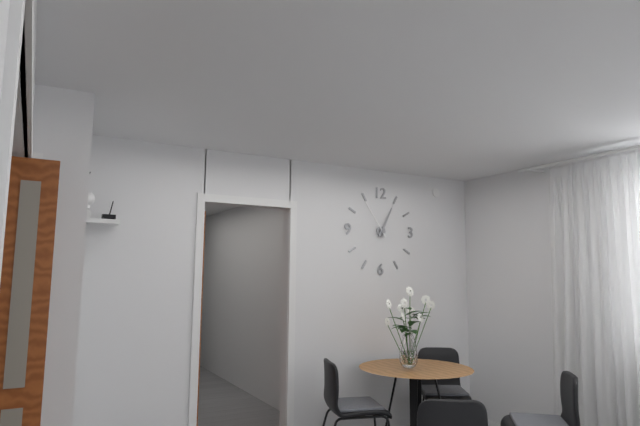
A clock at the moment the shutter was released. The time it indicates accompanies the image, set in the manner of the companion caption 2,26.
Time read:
12,54
